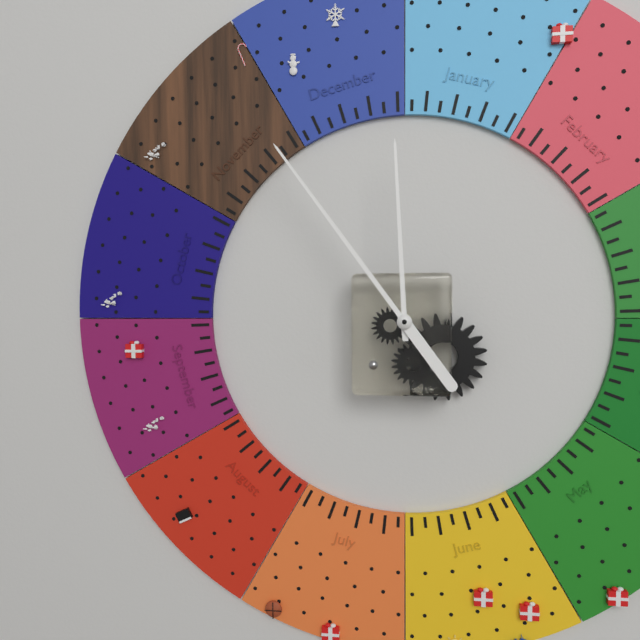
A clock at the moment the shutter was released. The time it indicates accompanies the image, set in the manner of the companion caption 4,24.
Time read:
11,54
